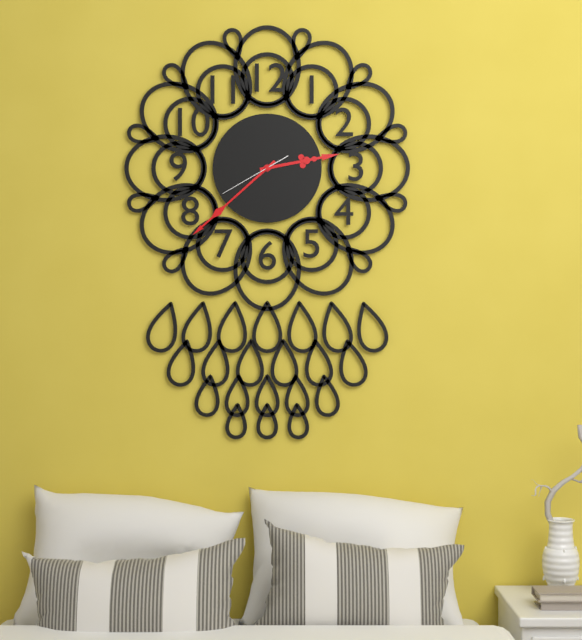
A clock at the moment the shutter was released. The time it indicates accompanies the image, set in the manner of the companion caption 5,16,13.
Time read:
2,38,40
